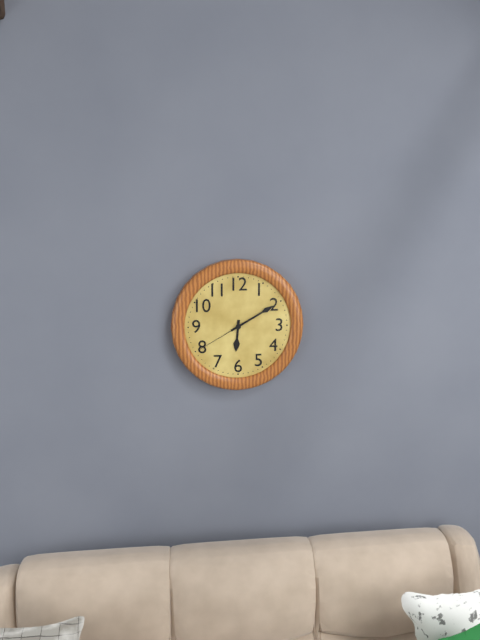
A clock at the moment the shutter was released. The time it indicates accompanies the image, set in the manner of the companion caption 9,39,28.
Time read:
6,10,40
